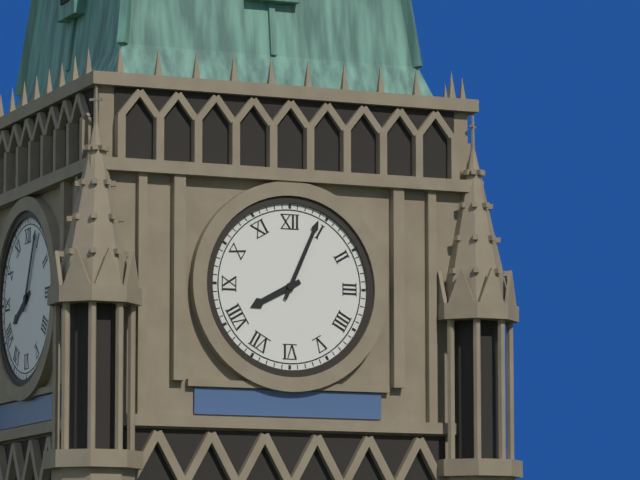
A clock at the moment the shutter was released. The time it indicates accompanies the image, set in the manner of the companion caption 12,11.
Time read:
8,04
